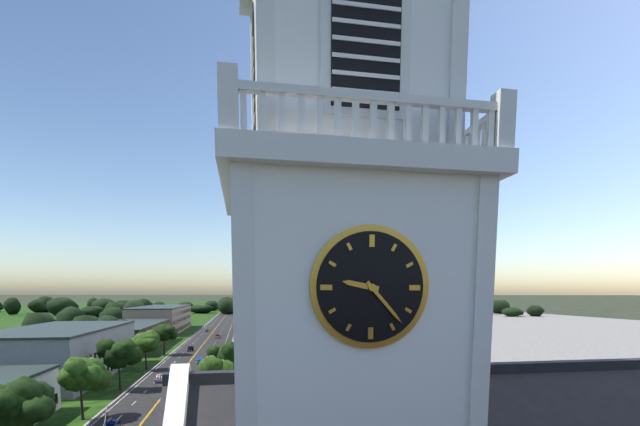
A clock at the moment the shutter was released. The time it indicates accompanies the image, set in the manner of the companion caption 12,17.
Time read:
9,23
